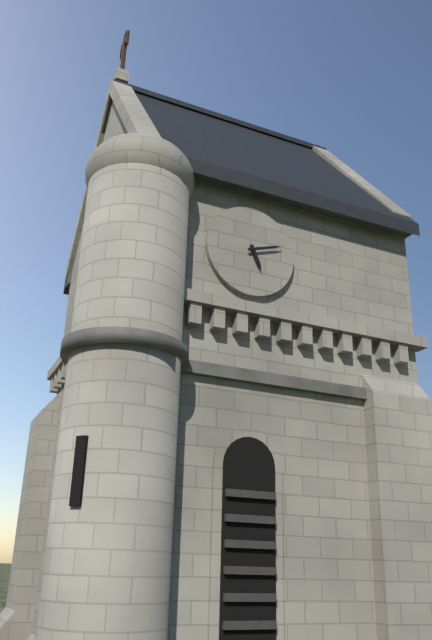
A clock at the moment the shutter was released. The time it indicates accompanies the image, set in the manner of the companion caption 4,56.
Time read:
5,12
